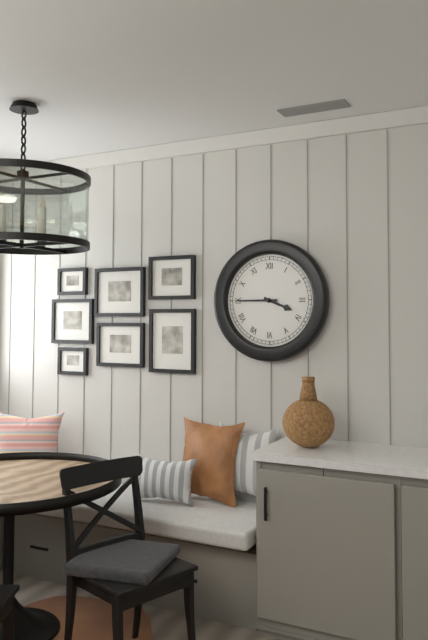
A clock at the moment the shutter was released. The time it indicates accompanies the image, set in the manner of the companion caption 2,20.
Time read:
3,45
